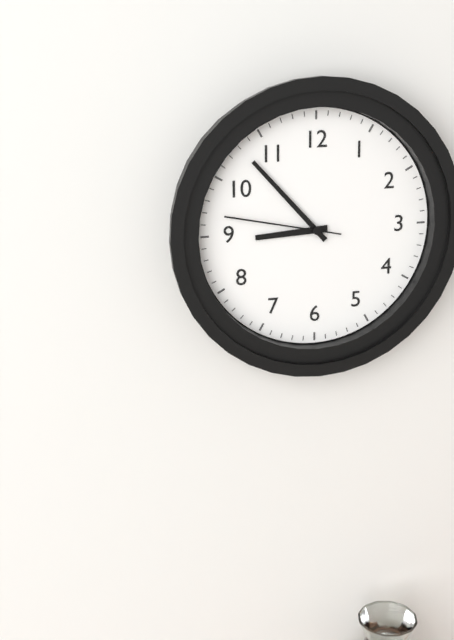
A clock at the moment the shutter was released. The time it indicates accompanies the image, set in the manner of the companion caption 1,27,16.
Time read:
8,53,47
